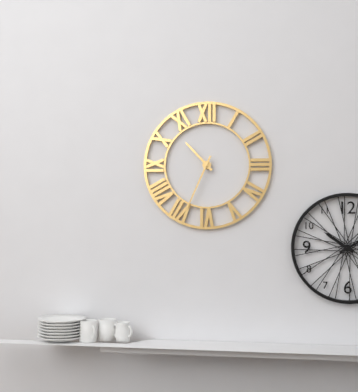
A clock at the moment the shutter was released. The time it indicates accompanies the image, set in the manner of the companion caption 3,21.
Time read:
10,34
